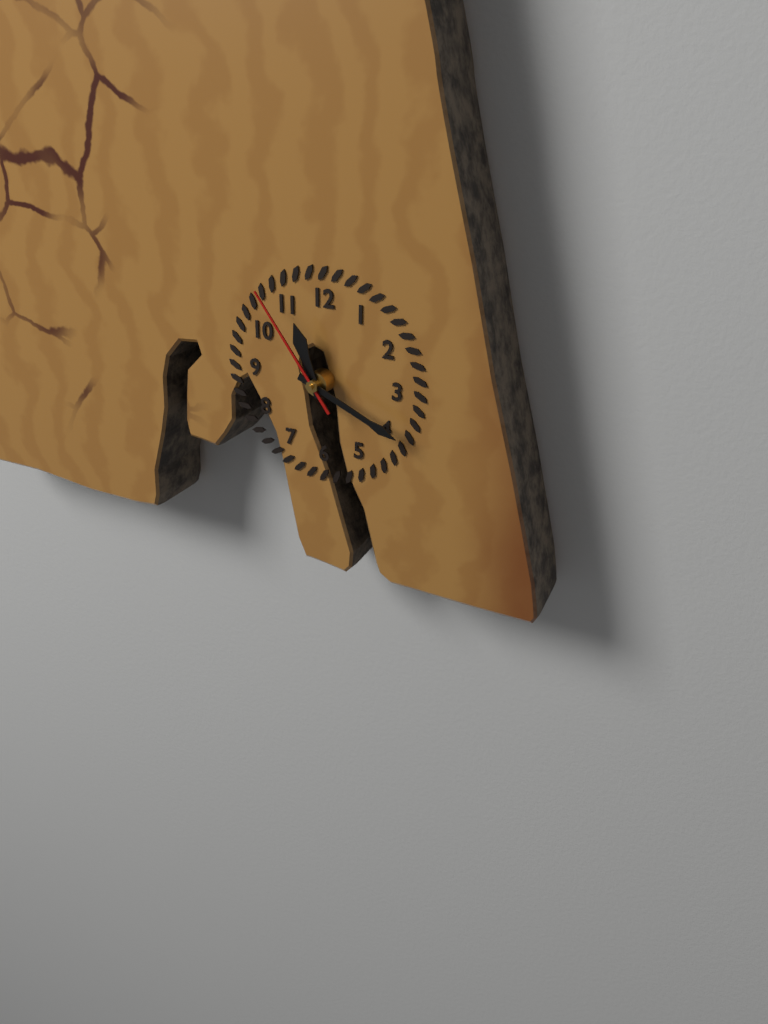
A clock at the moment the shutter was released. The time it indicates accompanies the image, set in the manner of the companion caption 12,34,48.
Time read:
11,19,54
